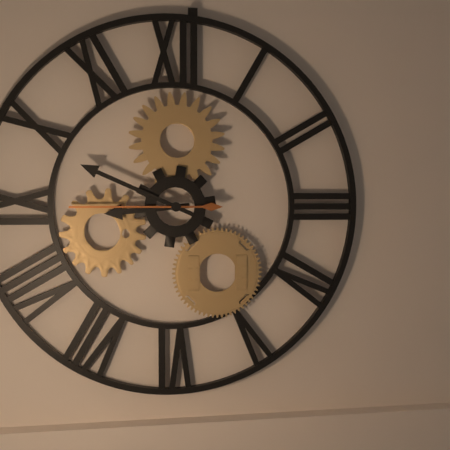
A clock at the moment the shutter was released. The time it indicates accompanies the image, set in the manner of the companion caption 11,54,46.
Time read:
8,49,45
